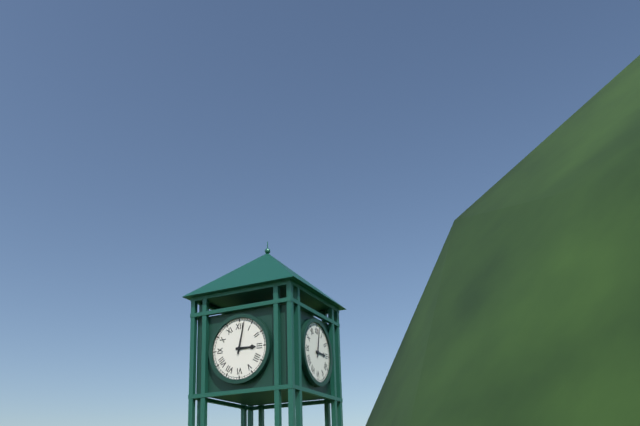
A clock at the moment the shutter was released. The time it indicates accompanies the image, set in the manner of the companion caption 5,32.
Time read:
3,02
